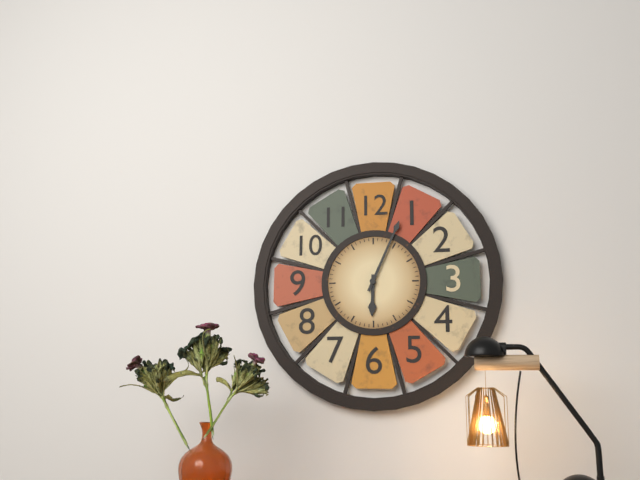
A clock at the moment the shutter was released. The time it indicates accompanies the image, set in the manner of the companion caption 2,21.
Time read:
6,04
